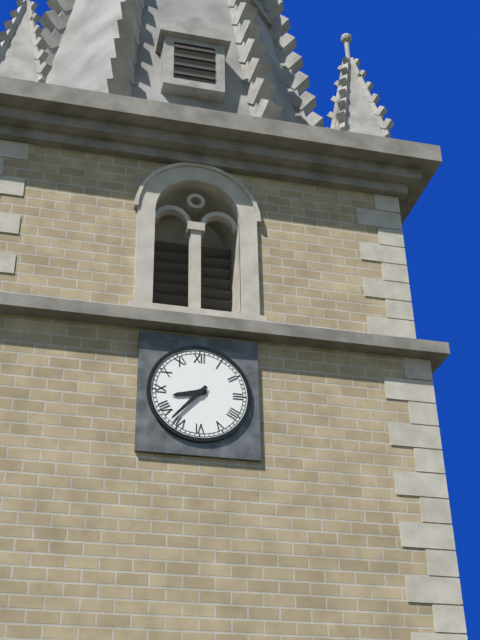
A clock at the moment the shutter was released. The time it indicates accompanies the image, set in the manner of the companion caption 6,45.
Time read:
8,37
